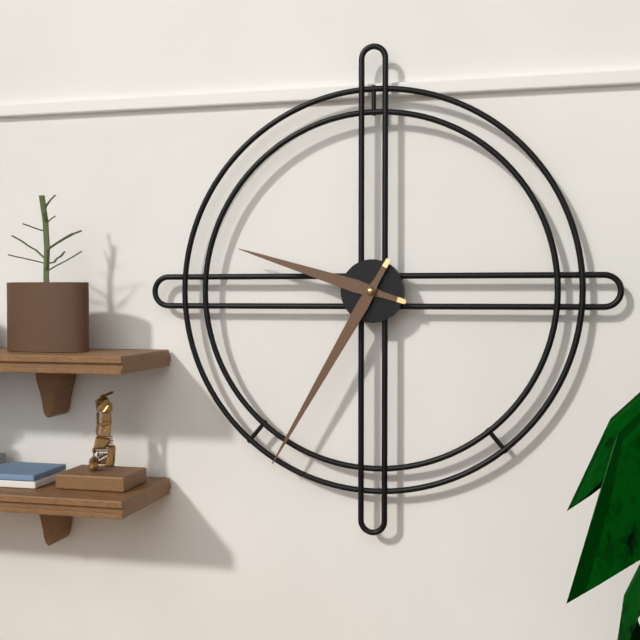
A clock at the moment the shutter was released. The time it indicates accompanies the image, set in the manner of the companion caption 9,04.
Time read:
9,35
